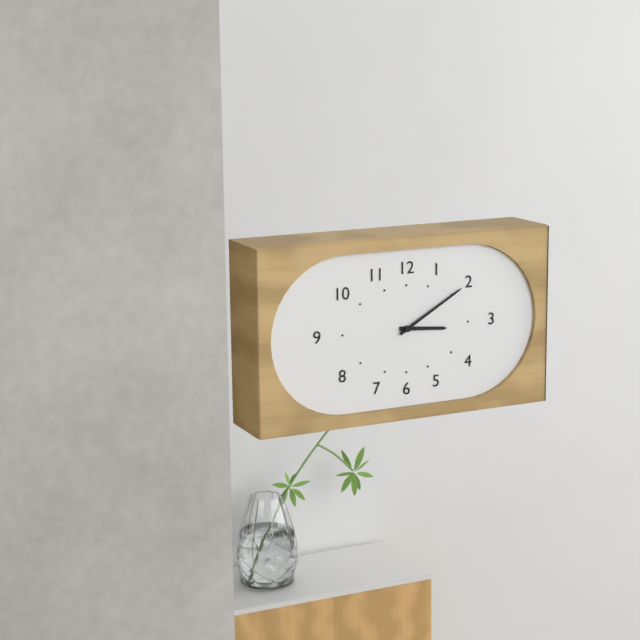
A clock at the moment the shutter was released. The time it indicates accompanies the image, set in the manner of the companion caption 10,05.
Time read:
3,10
